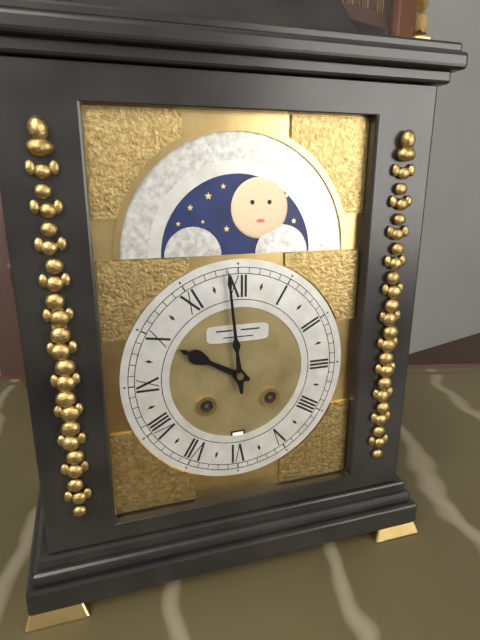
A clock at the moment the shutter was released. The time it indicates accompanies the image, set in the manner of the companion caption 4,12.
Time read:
9,59
